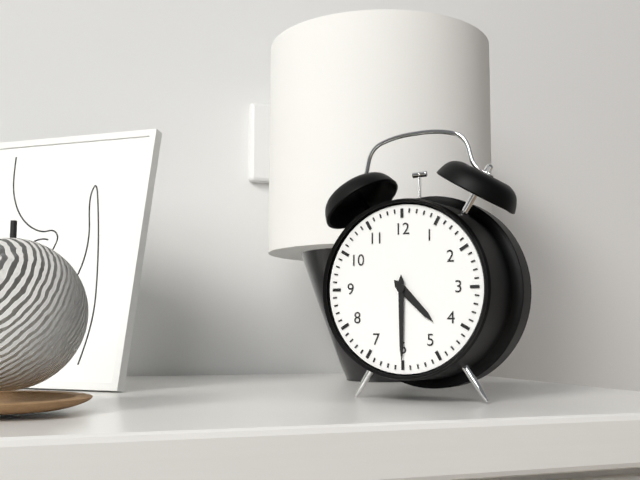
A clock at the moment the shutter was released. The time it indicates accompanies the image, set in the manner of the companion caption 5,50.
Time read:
4,30
